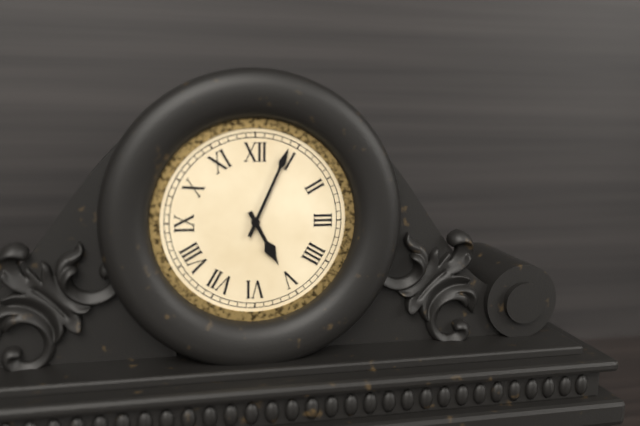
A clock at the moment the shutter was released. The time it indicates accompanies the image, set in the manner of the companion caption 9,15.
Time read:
5,04
